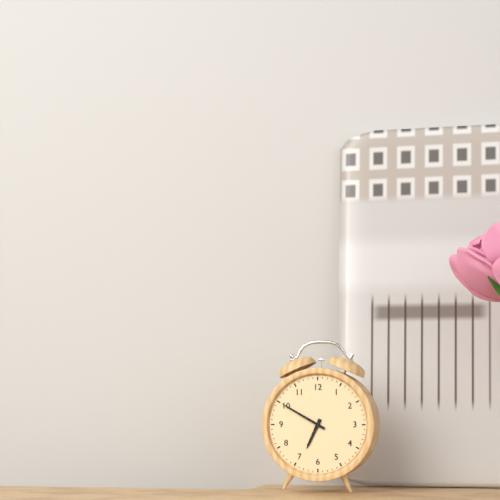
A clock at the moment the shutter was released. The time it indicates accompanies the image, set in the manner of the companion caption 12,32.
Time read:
6,50
